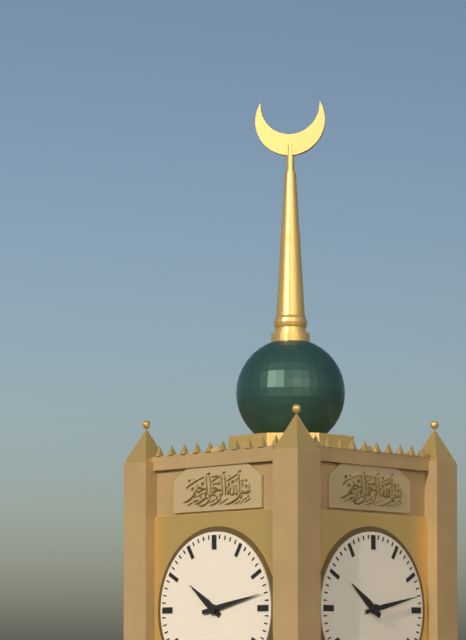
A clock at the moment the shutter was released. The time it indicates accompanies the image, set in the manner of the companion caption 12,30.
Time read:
10,13
